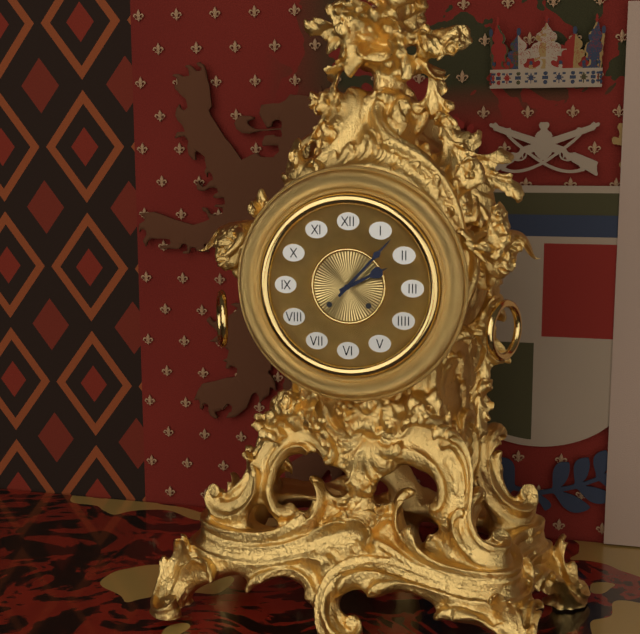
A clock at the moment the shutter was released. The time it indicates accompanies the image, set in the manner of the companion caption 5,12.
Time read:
2,07
